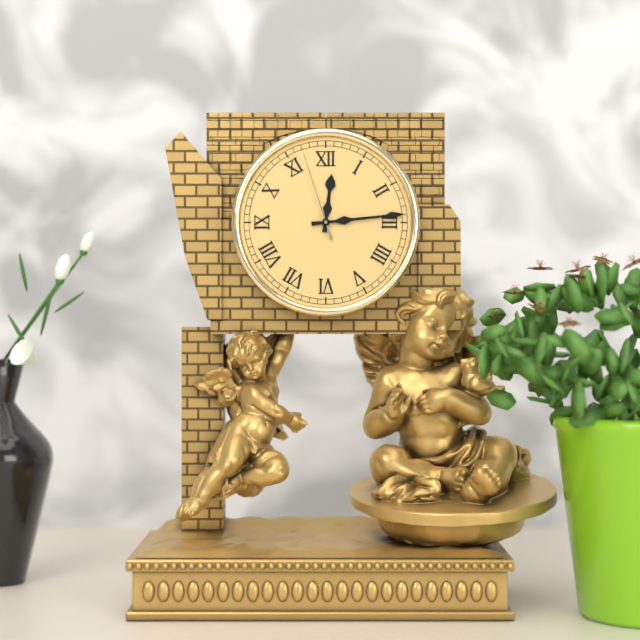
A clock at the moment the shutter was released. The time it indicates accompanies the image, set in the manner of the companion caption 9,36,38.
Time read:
12,14,57
